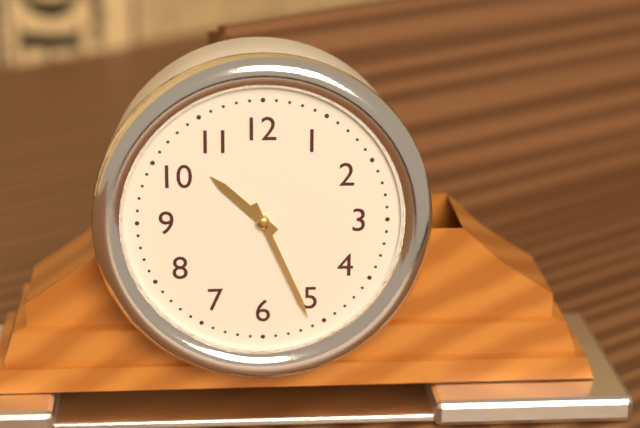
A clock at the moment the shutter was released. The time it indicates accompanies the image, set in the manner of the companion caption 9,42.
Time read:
10,26
